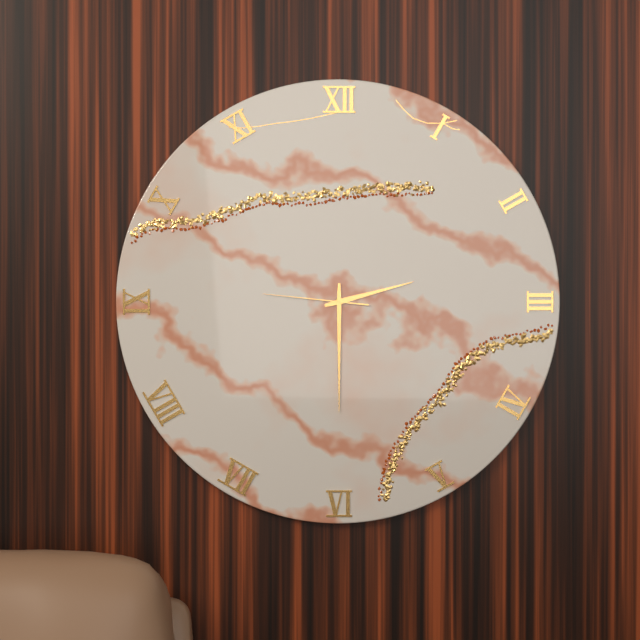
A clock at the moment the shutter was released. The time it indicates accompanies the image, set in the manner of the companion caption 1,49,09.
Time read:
2,30,46
